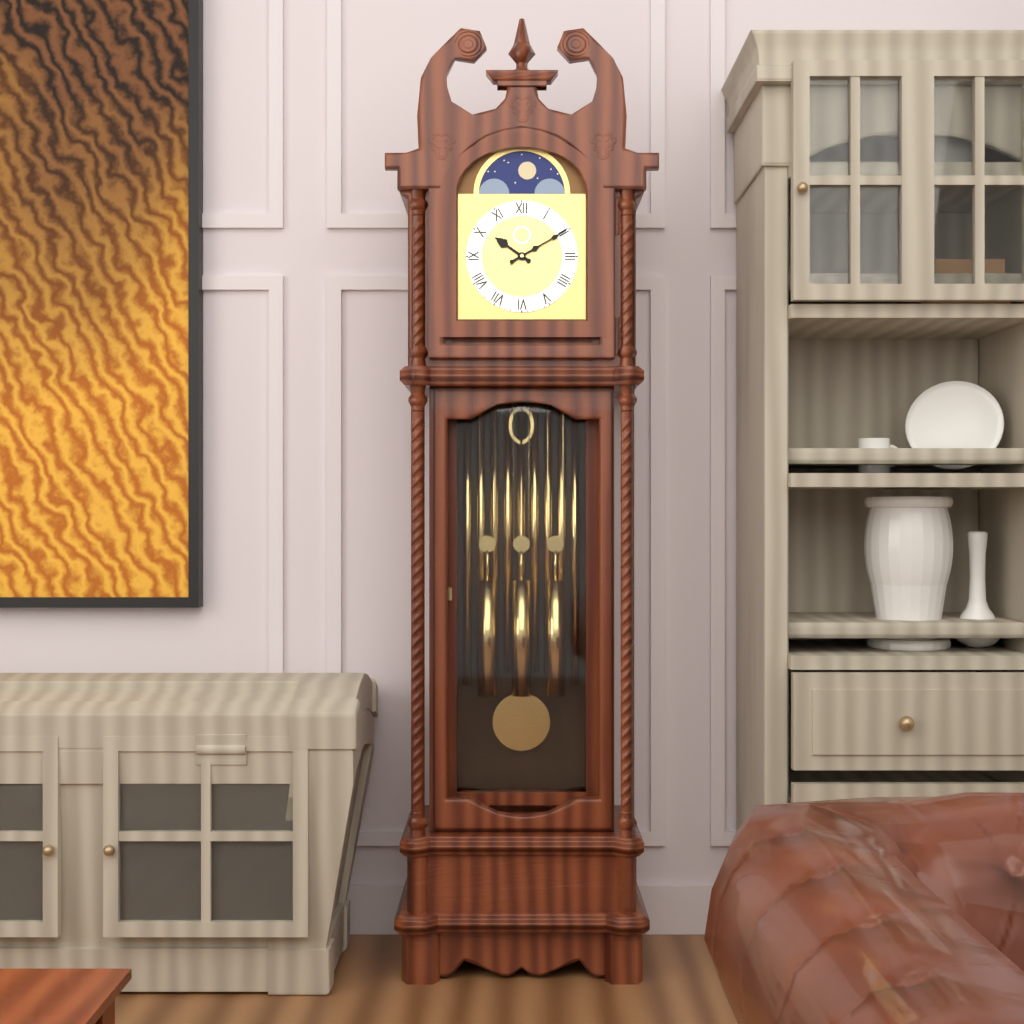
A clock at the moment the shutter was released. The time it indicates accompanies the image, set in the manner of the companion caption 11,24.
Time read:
10,10
